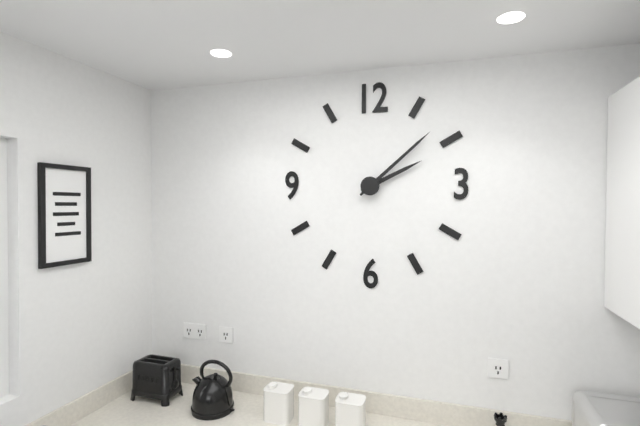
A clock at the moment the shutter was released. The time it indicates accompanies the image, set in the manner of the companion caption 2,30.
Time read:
2,08
